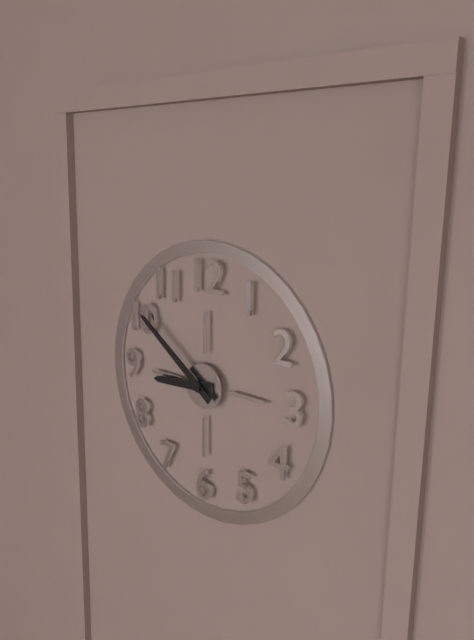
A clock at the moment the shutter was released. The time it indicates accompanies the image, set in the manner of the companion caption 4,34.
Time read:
8,51
